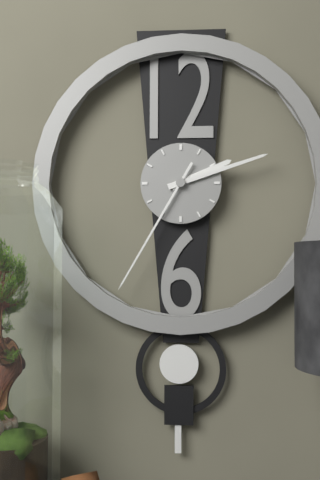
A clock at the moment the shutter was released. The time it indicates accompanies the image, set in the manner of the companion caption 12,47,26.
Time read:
2,12,35
